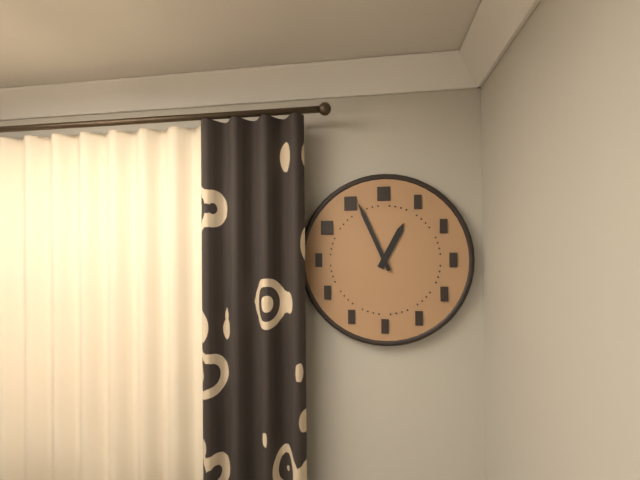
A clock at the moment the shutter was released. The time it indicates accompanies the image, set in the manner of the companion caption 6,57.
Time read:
12,56
